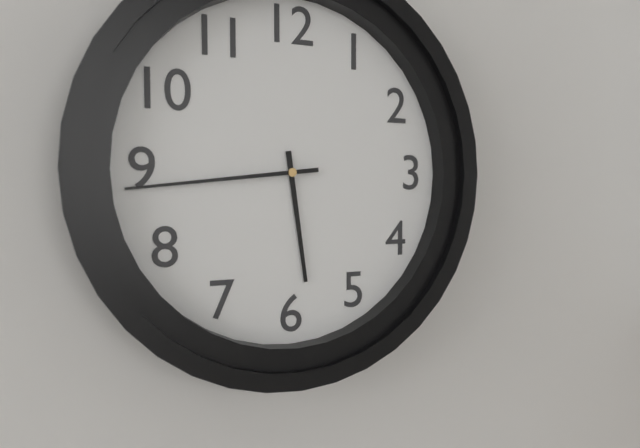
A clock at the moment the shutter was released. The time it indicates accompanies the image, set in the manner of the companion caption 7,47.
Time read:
5,44
